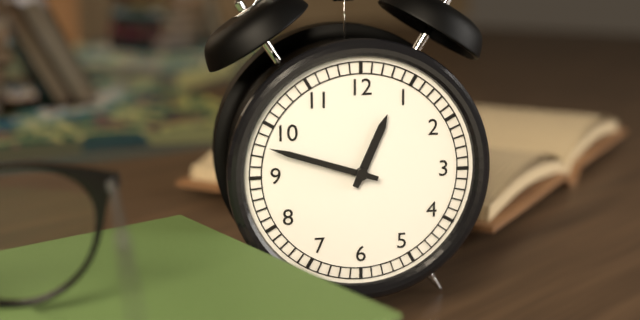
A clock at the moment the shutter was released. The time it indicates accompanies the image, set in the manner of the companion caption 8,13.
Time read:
12,48
